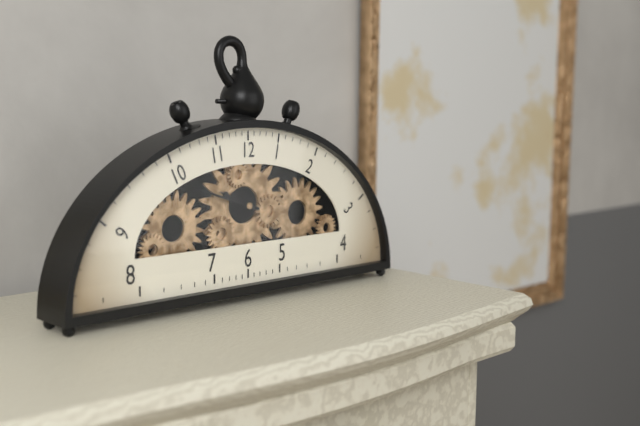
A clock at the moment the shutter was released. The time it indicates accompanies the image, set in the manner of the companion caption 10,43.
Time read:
9,48
